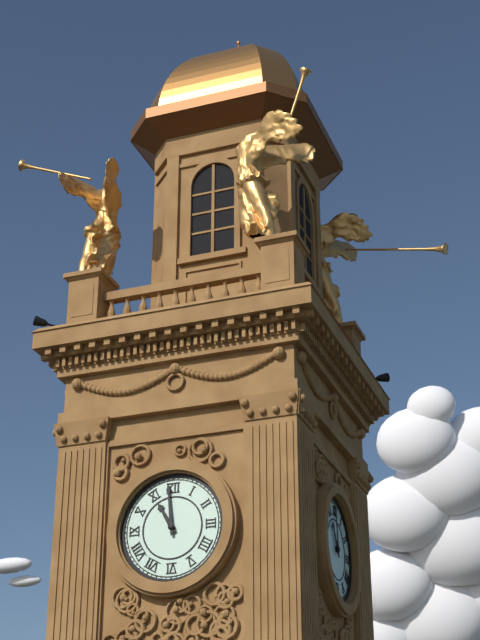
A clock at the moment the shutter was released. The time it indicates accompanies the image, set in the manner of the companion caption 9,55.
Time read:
10,59
